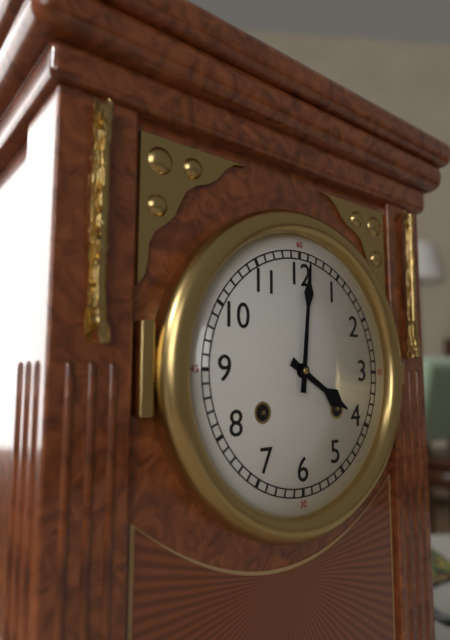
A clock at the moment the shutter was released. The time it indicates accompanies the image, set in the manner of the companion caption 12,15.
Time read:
4,01
